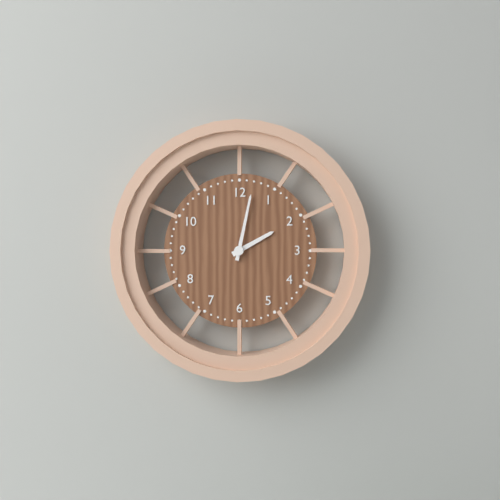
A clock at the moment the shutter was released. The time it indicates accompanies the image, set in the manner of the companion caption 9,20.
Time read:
2,02
